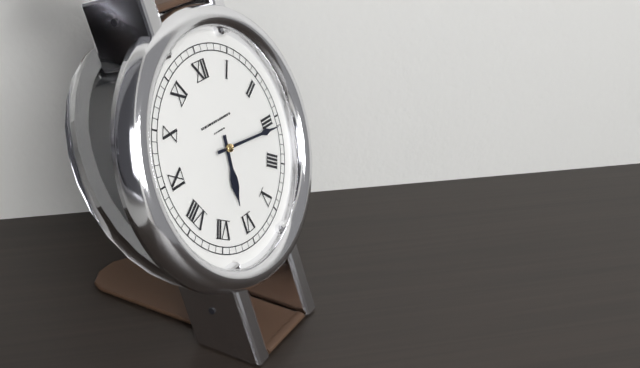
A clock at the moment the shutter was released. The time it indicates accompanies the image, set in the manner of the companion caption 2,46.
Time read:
6,16
